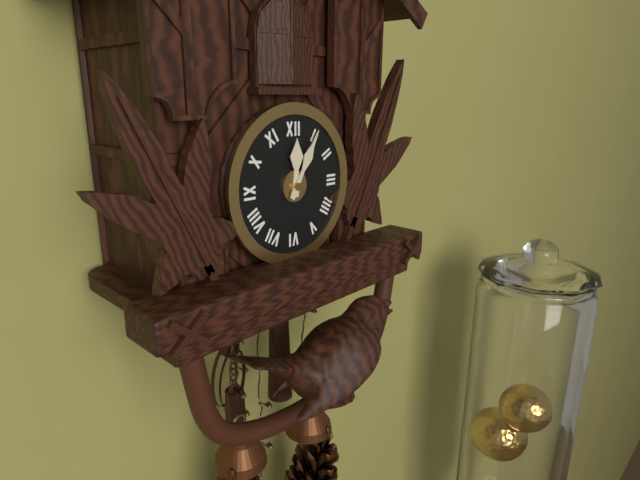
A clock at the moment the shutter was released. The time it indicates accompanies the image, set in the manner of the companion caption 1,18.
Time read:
12,05
